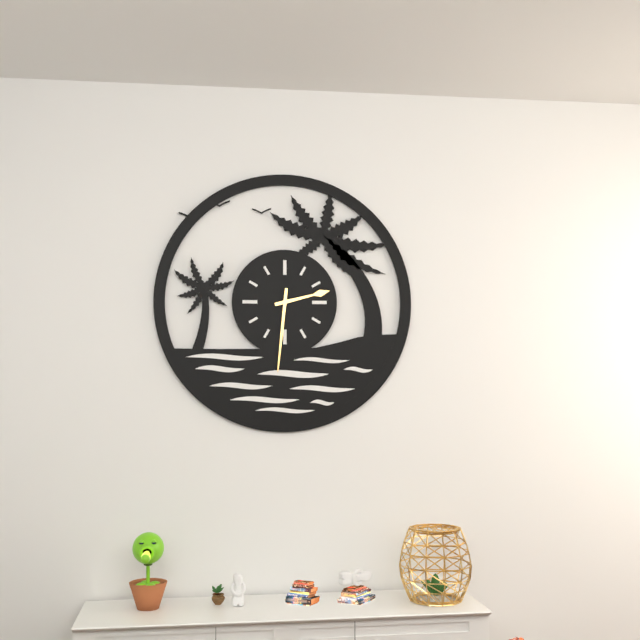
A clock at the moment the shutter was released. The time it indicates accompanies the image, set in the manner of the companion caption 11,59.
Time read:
2,31
